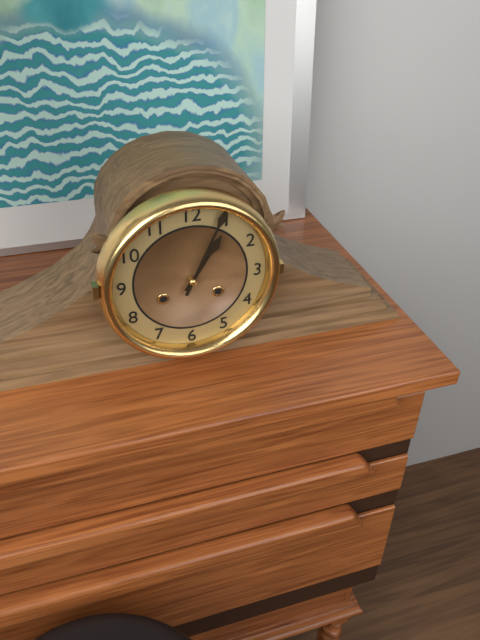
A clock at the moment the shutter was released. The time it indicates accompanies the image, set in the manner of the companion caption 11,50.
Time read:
1,04
